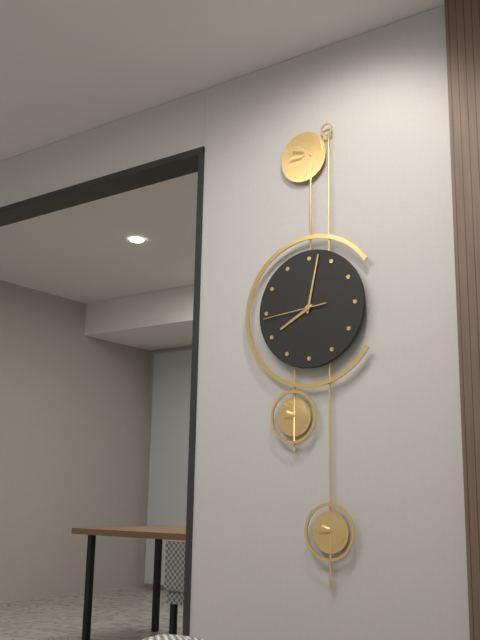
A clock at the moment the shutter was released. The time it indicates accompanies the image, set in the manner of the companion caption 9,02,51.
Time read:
8,02,44
